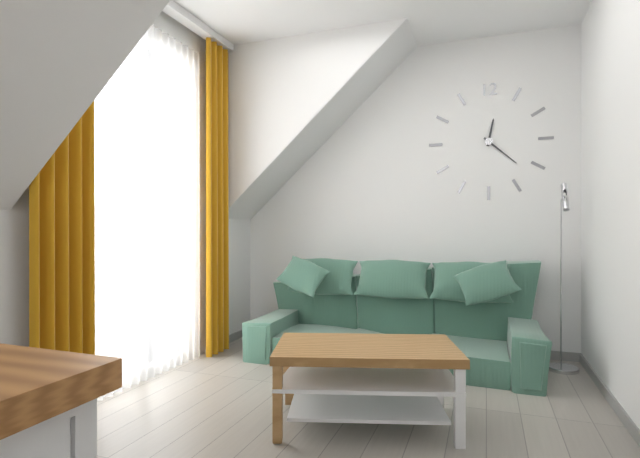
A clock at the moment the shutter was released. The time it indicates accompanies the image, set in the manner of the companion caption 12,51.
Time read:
12,22
